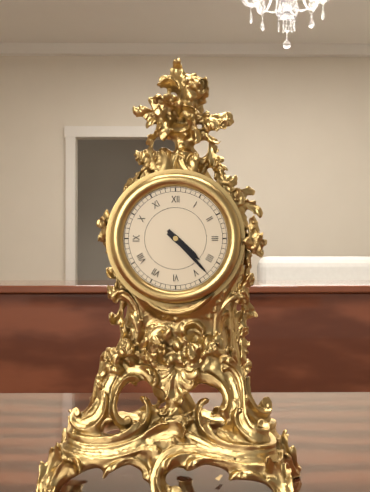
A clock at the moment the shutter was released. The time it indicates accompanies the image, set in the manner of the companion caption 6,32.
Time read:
4,23
